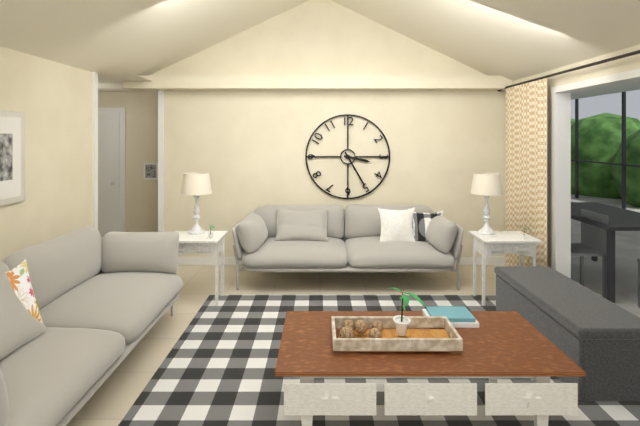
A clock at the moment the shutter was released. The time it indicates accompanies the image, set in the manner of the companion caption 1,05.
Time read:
3,25
